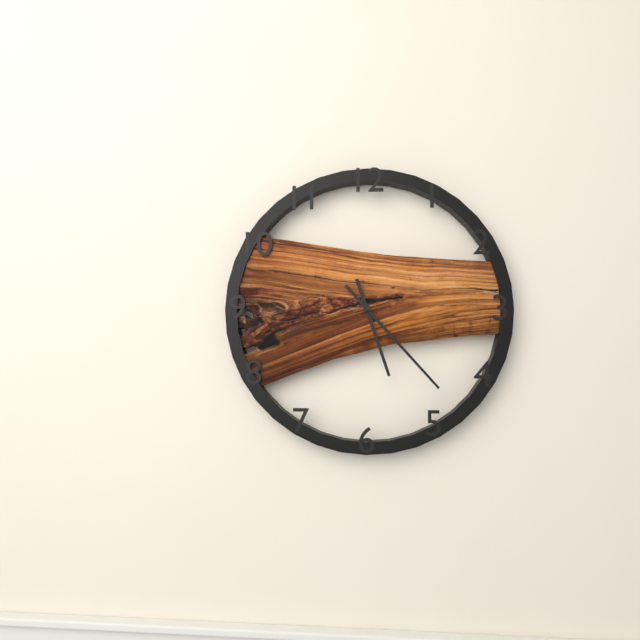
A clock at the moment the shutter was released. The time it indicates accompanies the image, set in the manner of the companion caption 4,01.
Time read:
5,23
